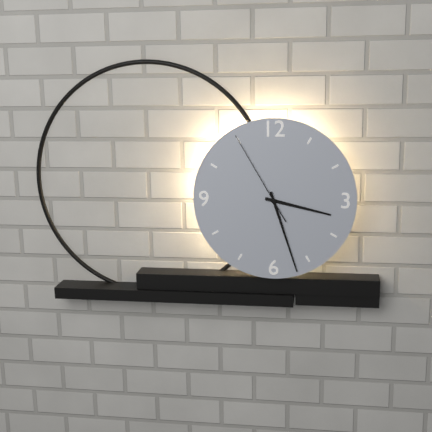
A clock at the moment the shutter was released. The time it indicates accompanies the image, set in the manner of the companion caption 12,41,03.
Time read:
3,27,55
